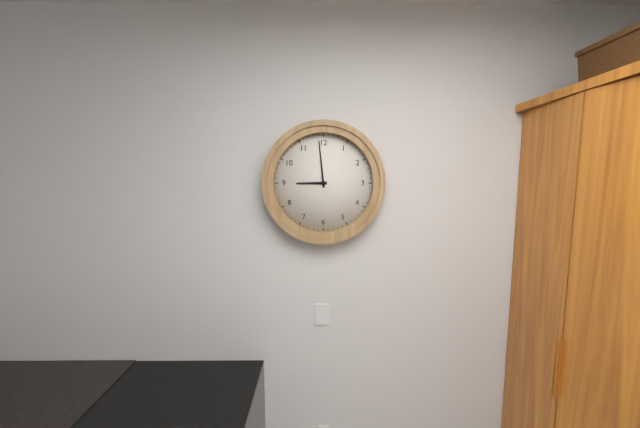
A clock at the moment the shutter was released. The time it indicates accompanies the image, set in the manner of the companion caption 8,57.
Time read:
8,59
